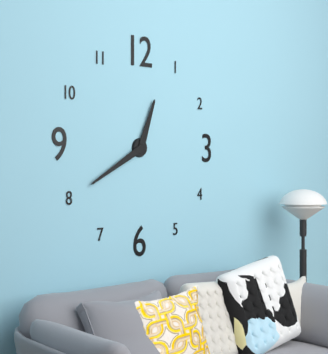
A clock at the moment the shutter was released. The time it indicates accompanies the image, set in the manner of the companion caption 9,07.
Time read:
12,40
